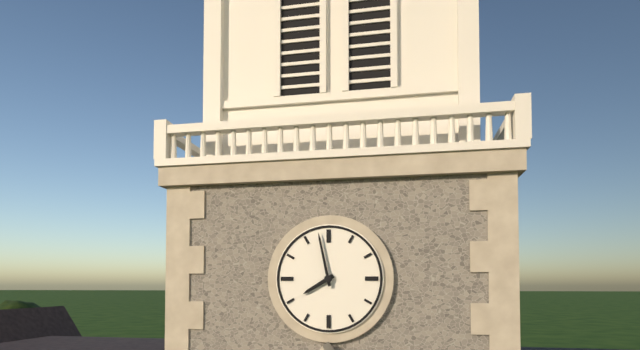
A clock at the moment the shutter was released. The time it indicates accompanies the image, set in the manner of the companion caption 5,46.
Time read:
7,58
